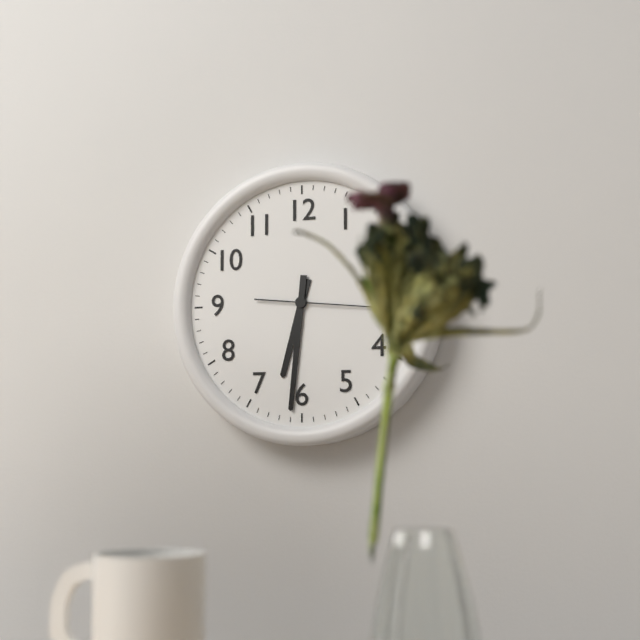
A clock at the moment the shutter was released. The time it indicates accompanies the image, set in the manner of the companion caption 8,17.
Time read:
6,31
